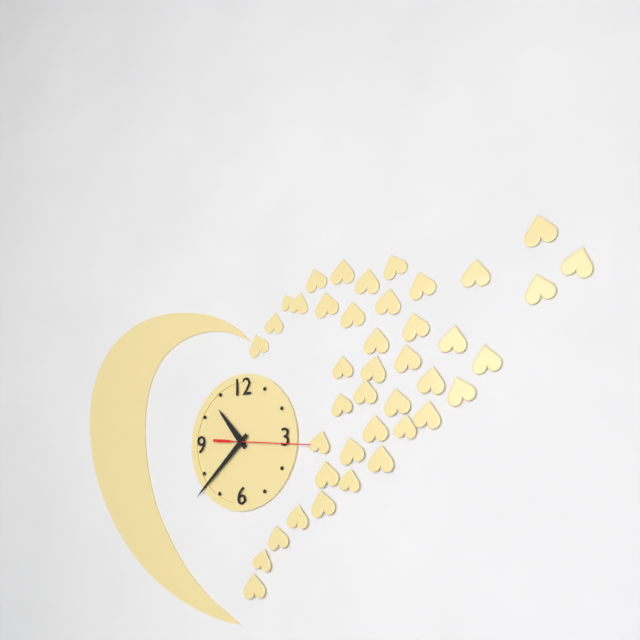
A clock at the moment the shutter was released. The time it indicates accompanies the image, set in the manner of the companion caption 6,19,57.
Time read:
10,38,16
